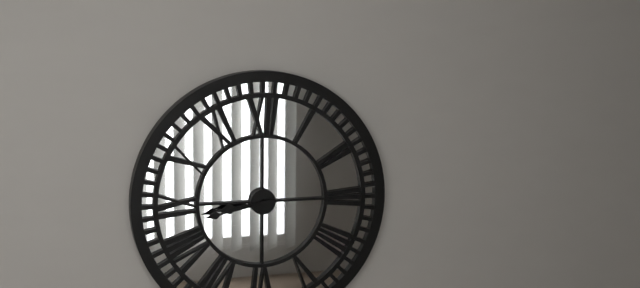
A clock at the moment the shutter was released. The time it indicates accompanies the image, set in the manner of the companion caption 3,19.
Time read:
8,43
